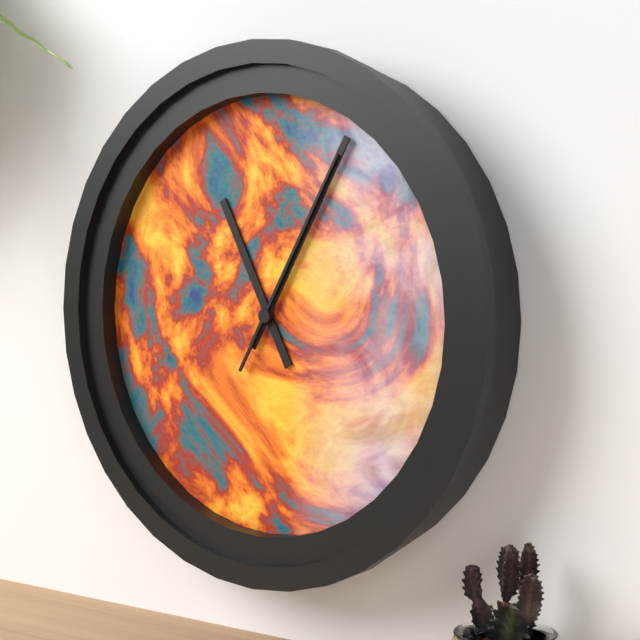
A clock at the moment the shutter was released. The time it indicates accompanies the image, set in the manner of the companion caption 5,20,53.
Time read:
11,05,05
